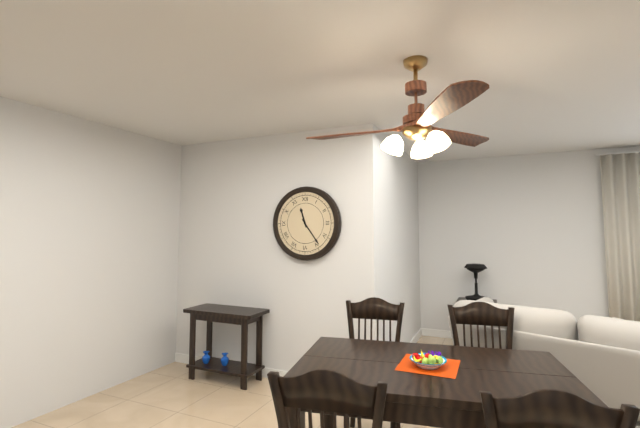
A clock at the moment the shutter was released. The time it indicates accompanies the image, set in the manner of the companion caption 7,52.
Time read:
11,24
